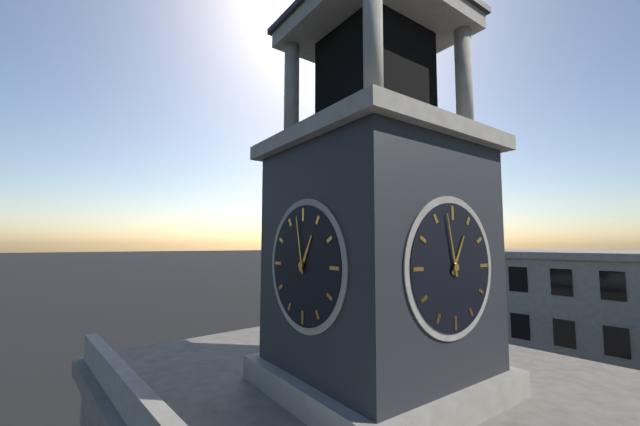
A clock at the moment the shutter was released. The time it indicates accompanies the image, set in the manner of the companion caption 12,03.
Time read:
12,58
